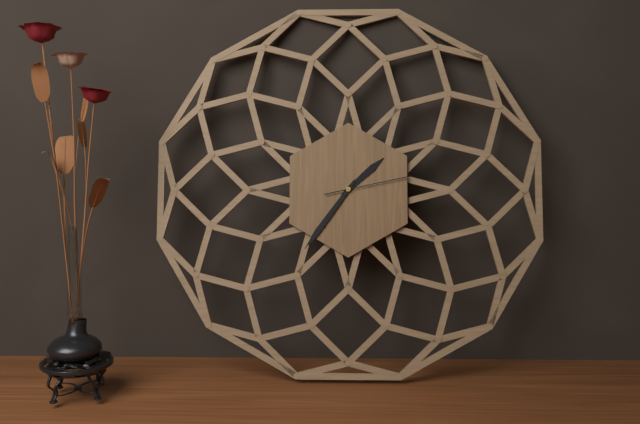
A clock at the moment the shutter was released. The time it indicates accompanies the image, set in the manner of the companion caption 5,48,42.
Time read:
1,36,13
